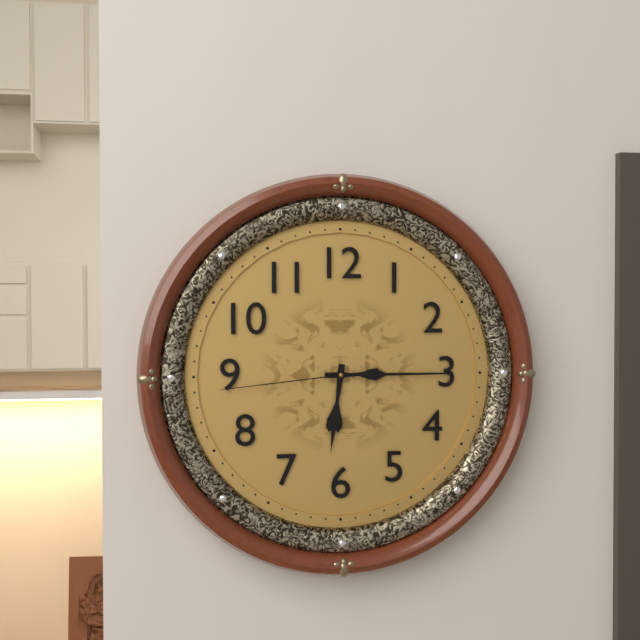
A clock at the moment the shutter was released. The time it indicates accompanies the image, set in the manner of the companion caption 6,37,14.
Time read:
6,15,44
